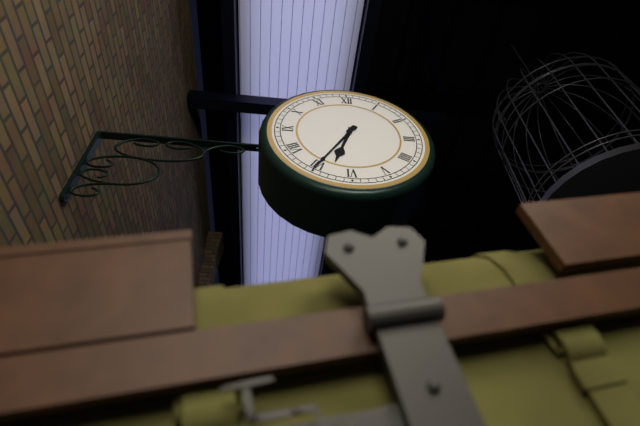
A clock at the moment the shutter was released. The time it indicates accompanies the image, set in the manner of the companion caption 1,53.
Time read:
6,35
